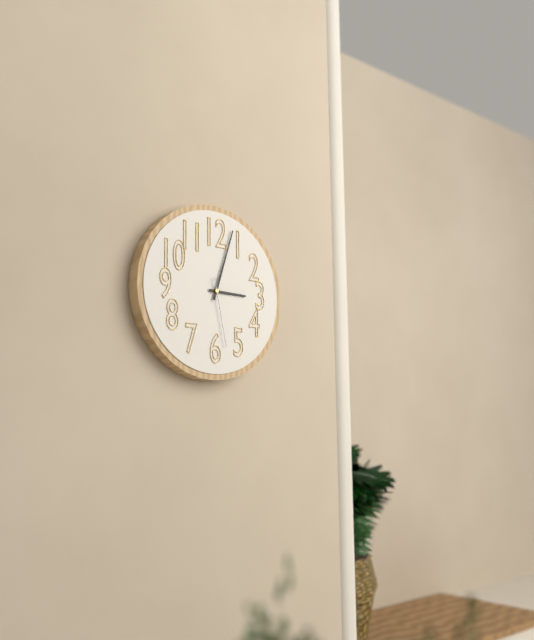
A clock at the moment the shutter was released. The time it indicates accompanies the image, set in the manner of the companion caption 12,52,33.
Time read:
3,03,28
